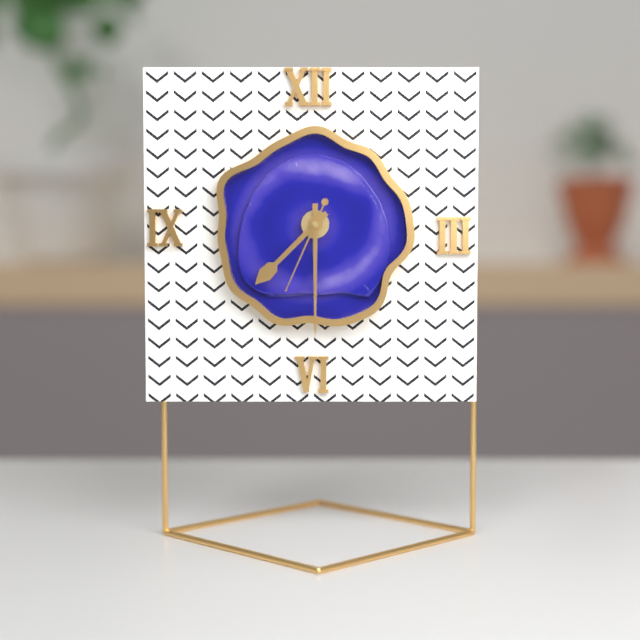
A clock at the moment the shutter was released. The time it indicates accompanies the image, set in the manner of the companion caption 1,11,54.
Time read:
7,30,34
